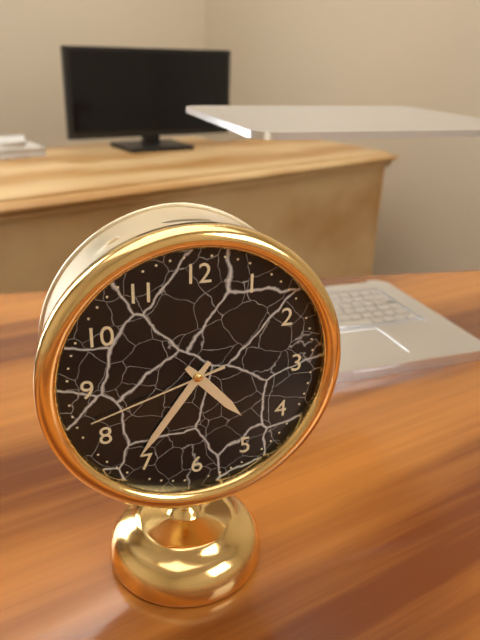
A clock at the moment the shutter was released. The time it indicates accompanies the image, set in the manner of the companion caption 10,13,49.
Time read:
4,36,42
